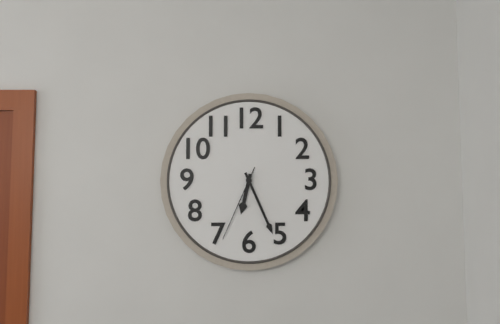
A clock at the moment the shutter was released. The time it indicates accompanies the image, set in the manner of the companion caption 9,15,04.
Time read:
6,26,34
